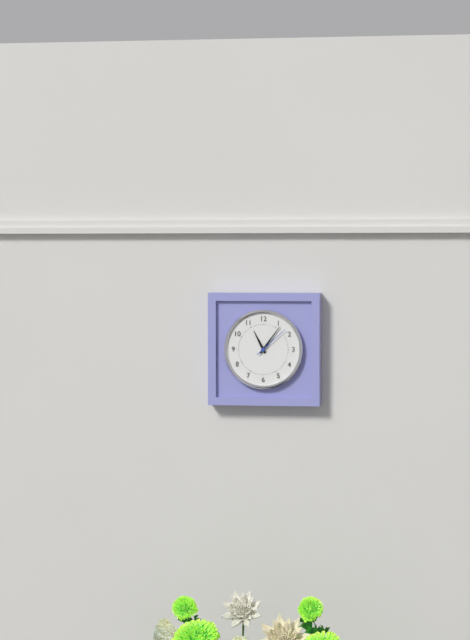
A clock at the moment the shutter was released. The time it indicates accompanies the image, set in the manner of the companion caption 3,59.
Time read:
11,06
